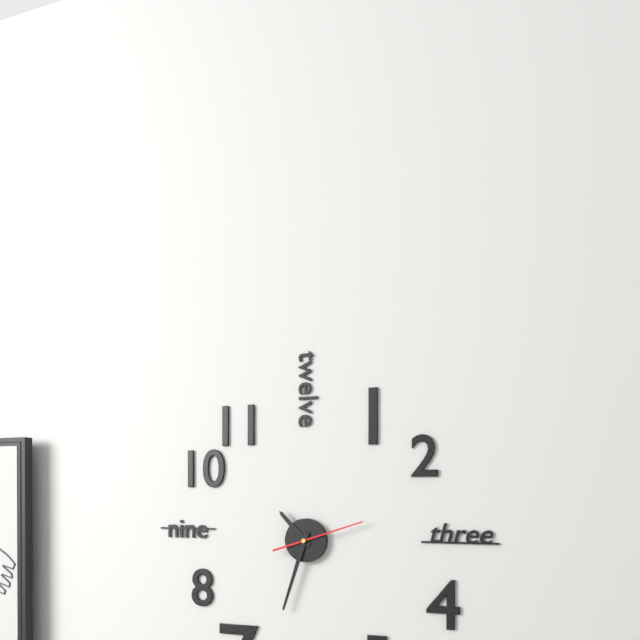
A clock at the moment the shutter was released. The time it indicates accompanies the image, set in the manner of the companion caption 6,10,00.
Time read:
10,33,12
